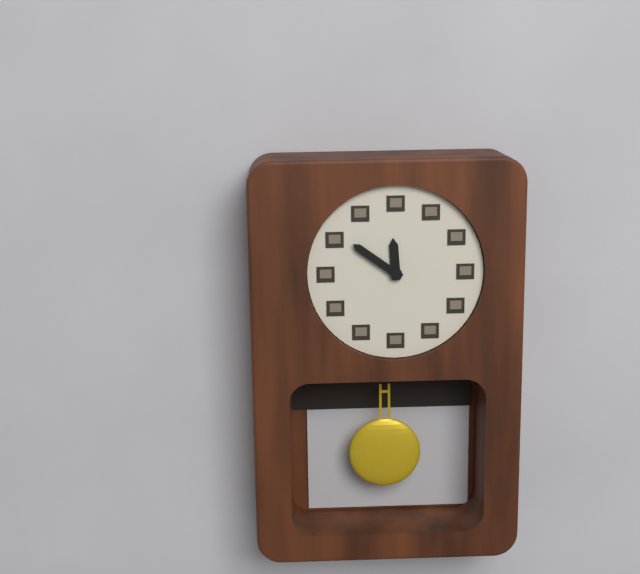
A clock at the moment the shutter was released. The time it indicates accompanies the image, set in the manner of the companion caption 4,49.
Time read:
11,51
